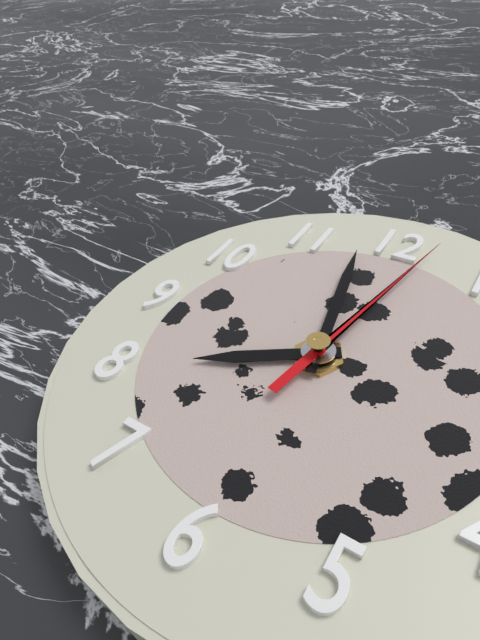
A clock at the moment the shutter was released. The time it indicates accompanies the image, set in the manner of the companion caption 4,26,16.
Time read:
7,58,02
